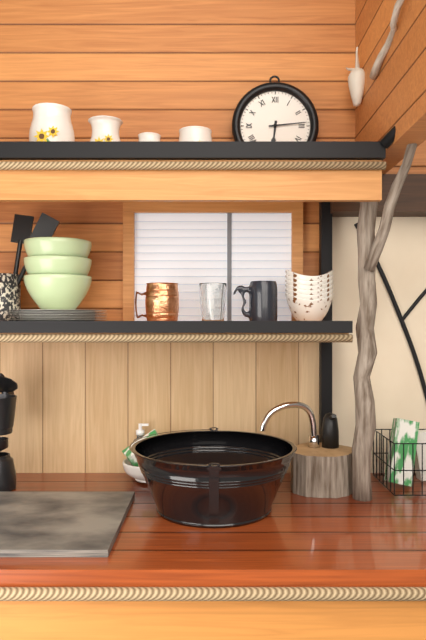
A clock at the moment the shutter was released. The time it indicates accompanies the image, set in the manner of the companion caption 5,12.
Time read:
6,14
